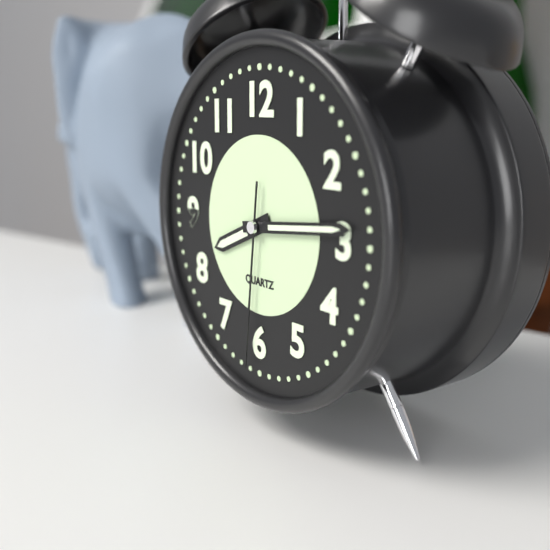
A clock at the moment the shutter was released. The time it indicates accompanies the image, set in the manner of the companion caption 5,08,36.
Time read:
8,14,31
